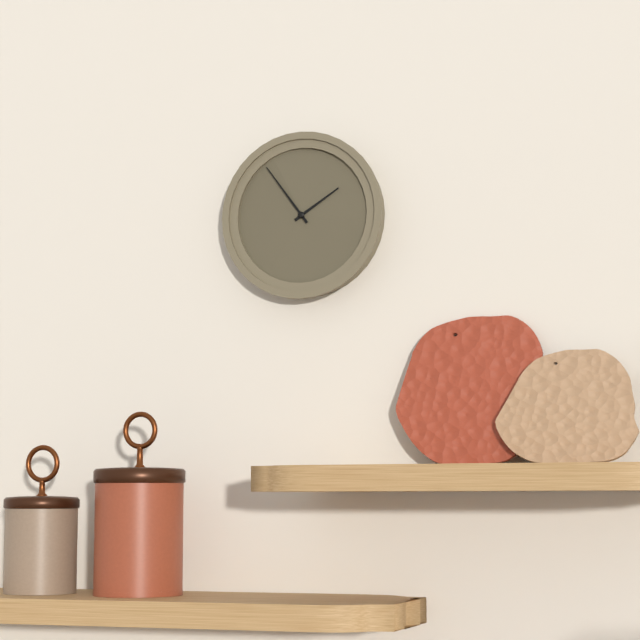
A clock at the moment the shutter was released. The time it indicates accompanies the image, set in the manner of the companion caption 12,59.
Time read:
1,54
